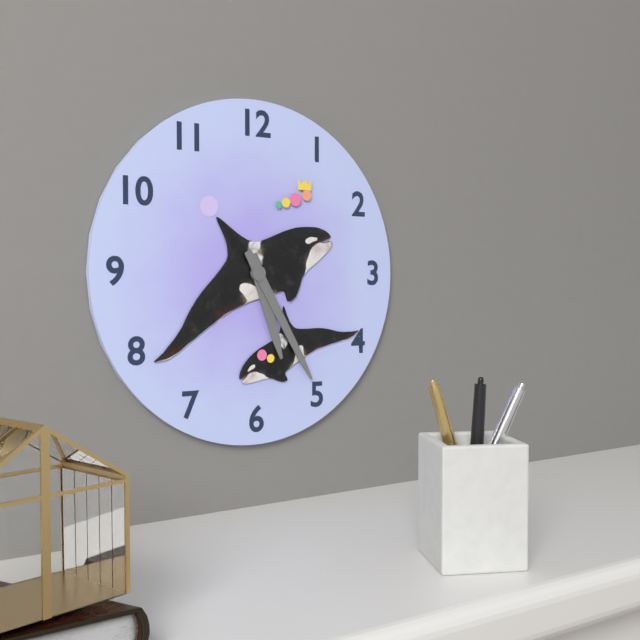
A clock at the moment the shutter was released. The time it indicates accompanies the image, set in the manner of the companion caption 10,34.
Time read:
5,25
